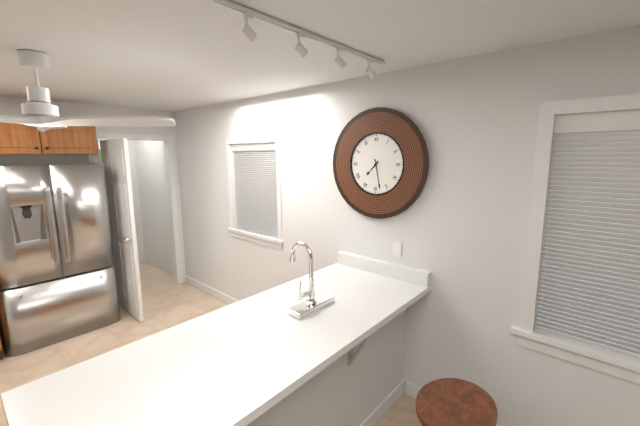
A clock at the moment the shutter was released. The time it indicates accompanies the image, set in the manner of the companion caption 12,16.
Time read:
7,28
